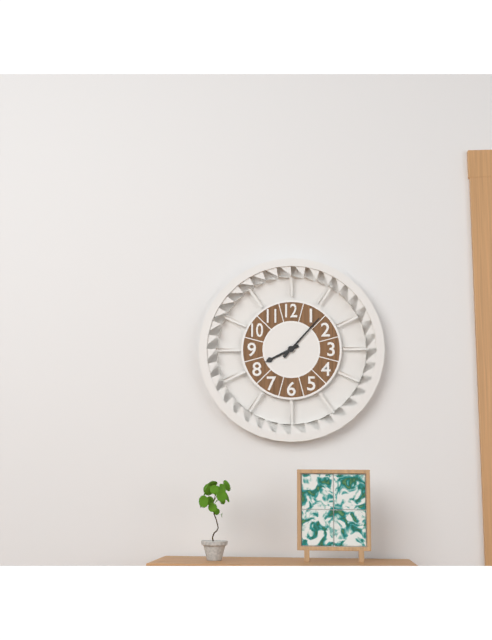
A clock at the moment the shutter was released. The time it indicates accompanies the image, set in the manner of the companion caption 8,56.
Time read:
8,07
